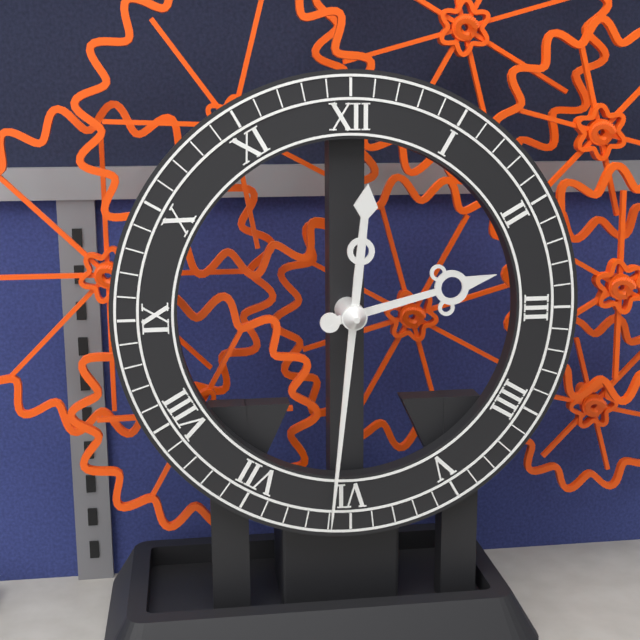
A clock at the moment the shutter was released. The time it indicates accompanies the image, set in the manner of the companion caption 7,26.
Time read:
2,31
